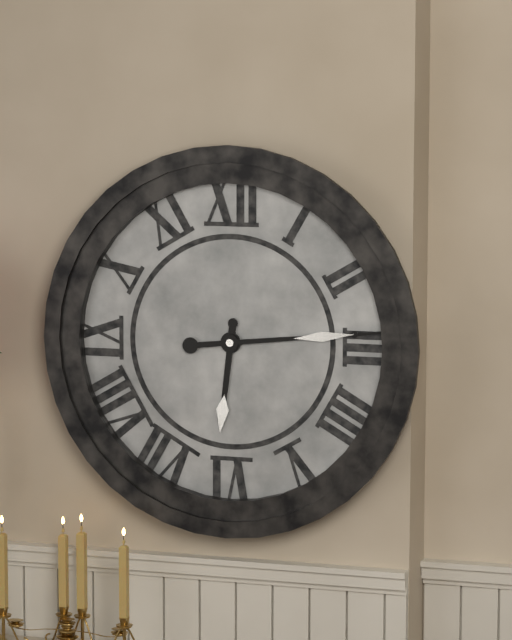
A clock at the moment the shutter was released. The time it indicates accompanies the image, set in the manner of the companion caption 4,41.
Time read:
6,14
